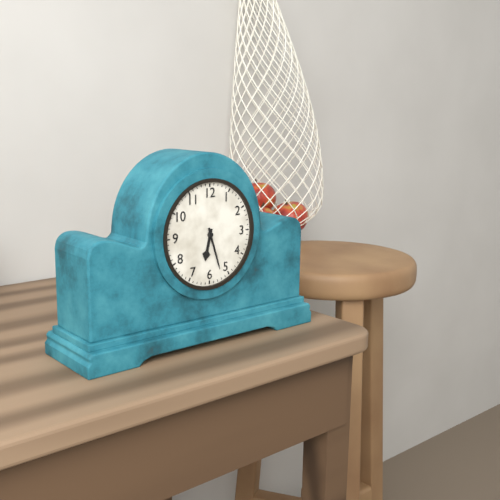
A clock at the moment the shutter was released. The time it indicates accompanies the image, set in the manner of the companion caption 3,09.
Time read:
6,27
